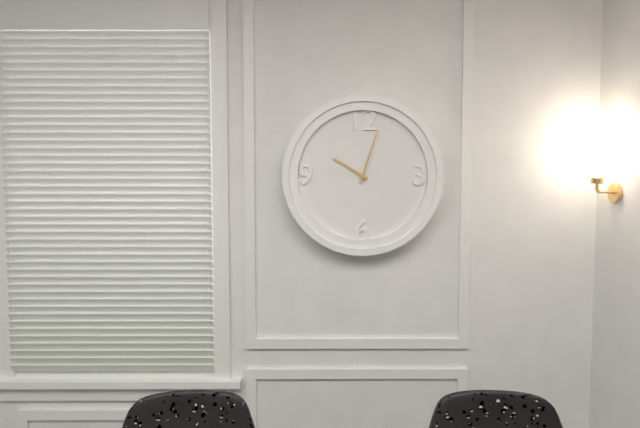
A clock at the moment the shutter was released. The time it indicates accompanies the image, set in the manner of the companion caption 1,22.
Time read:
10,03
